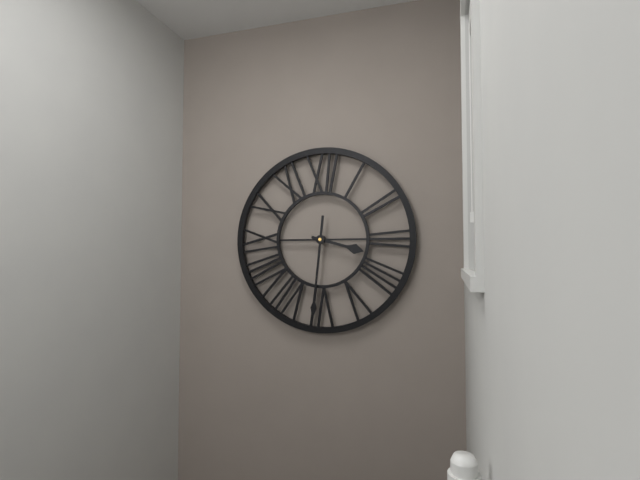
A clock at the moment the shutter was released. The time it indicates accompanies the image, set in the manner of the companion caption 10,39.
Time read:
3,31
